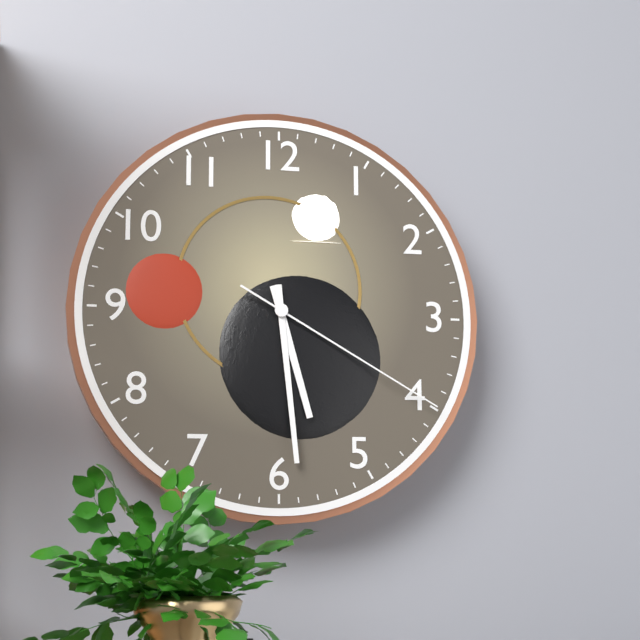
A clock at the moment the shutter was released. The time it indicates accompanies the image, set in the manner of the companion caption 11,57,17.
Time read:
5,29,20
